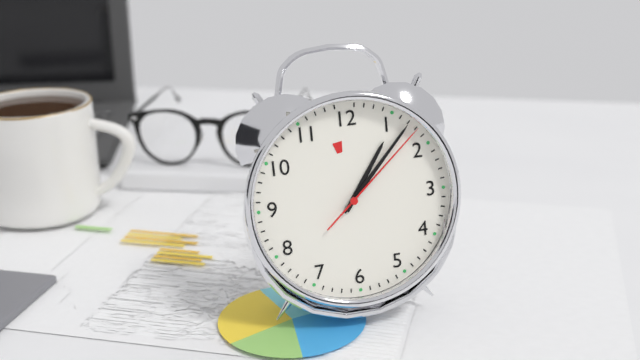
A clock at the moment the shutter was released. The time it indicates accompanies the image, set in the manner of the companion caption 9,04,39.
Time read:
1,07,08
